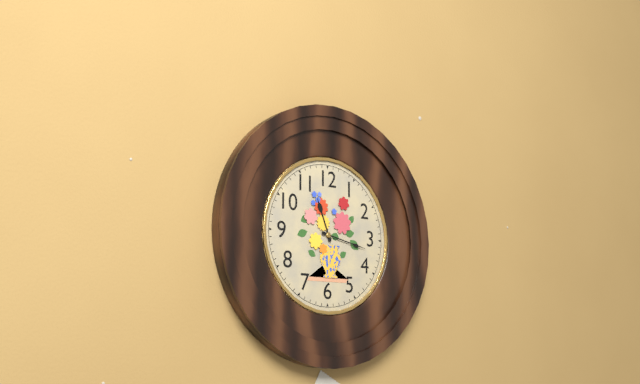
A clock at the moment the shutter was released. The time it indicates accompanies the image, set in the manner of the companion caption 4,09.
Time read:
11,17
